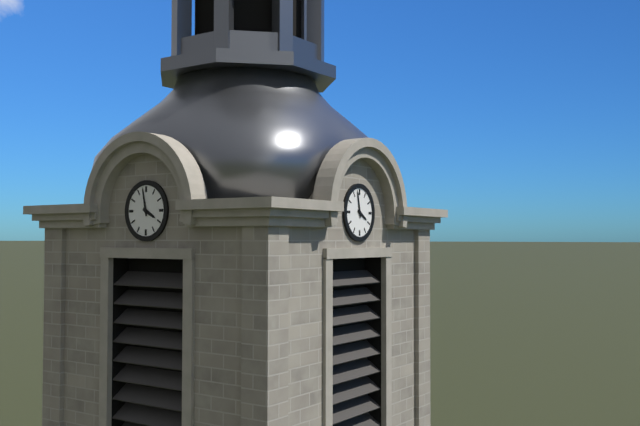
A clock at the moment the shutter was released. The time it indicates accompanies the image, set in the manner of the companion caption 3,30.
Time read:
3,58
